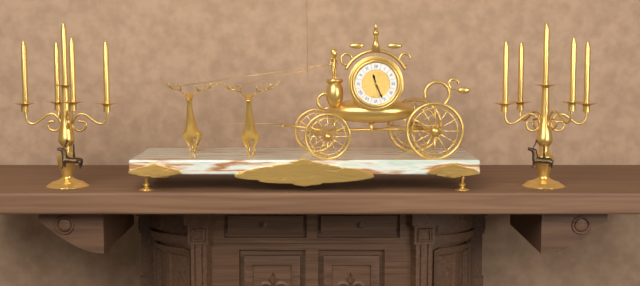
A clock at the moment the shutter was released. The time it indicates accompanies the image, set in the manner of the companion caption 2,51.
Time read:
11,26
